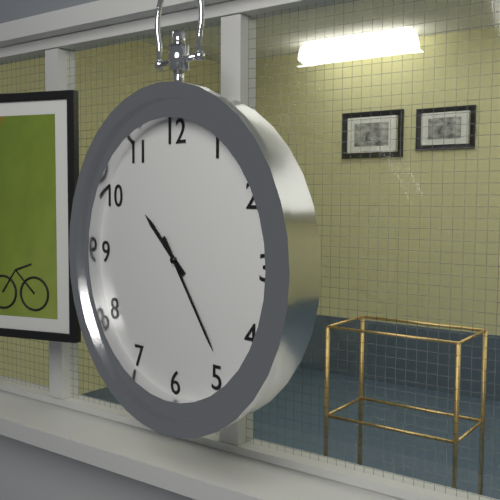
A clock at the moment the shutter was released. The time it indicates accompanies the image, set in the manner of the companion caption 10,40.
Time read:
10,24
